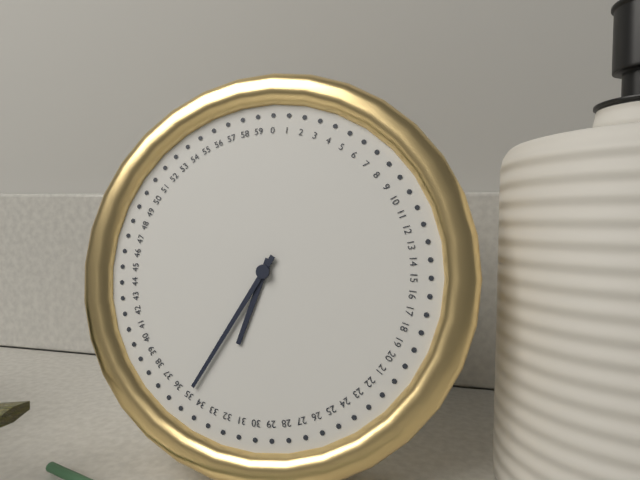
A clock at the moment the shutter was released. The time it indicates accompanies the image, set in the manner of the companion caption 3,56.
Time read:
6,35
